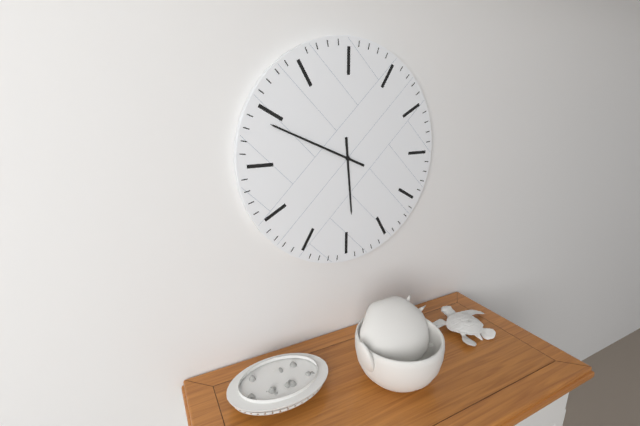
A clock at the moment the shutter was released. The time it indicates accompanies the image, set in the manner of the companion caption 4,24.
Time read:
5,49
